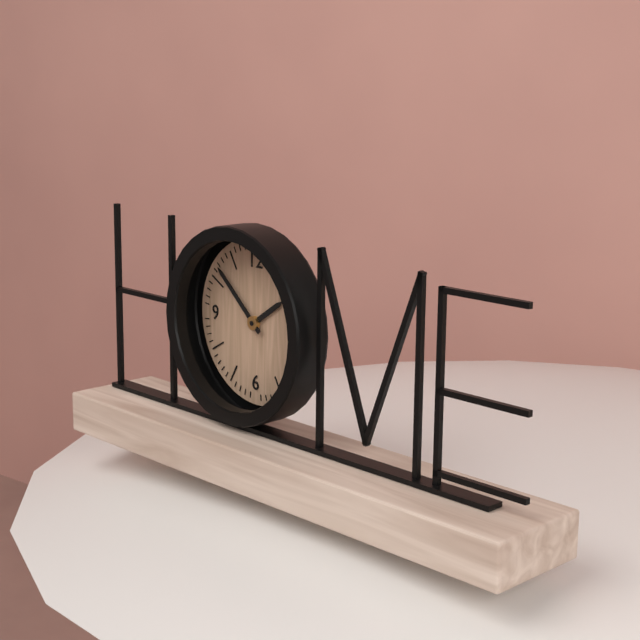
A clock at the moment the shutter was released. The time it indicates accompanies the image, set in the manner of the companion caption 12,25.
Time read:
1,52
